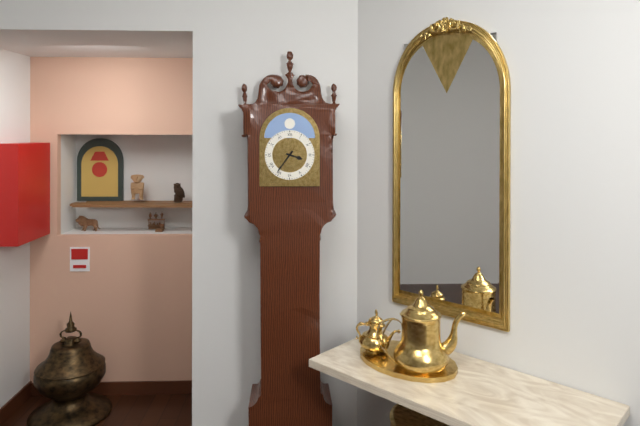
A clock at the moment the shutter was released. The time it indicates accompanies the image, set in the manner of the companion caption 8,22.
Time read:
3,36
